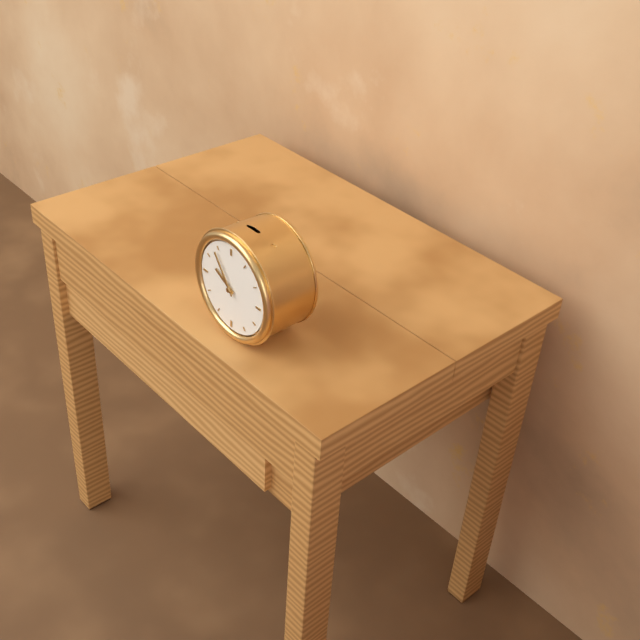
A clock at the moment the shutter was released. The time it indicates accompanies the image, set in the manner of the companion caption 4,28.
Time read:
9,54
